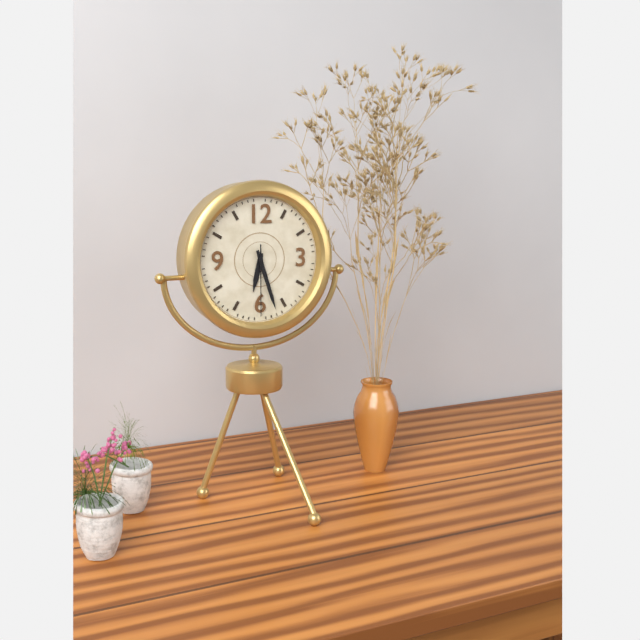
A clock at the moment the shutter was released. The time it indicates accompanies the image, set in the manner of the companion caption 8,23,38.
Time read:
6,27,30
